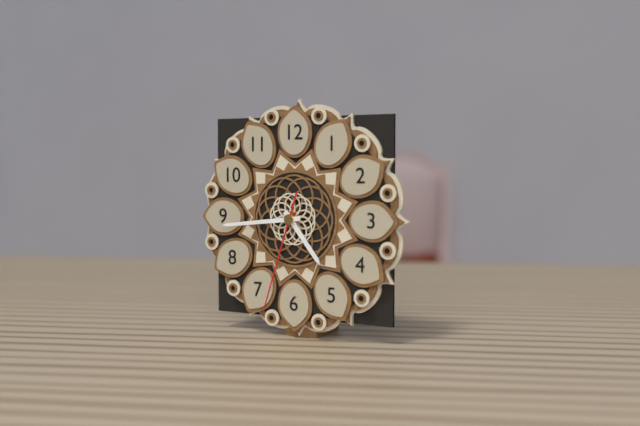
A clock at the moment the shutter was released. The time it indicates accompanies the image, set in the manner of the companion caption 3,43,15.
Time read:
4,44,33
